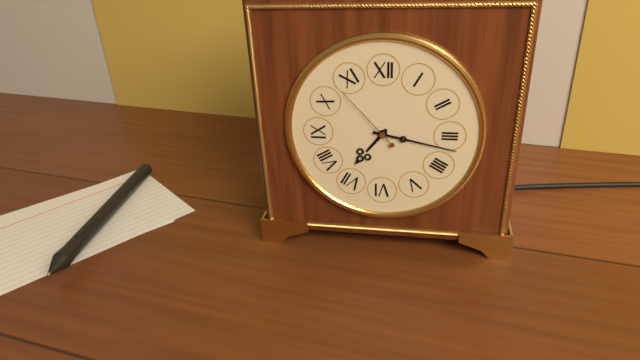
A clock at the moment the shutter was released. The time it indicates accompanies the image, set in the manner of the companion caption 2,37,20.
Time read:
7,17,53
